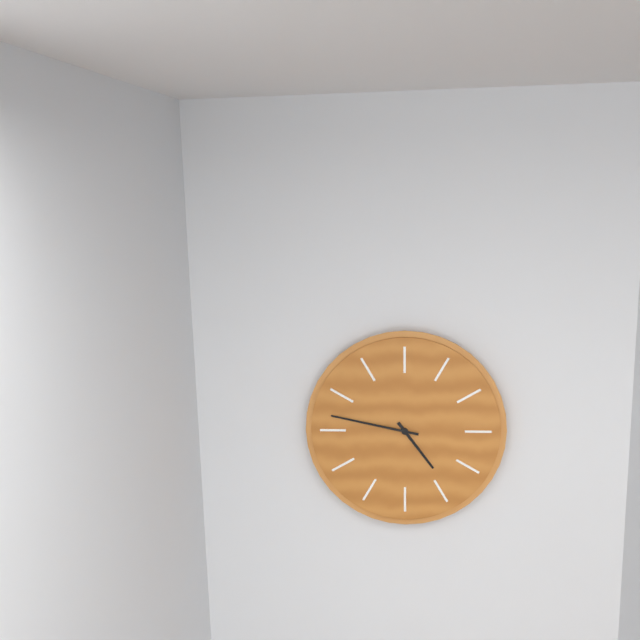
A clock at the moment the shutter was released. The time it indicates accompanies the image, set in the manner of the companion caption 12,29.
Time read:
4,47
